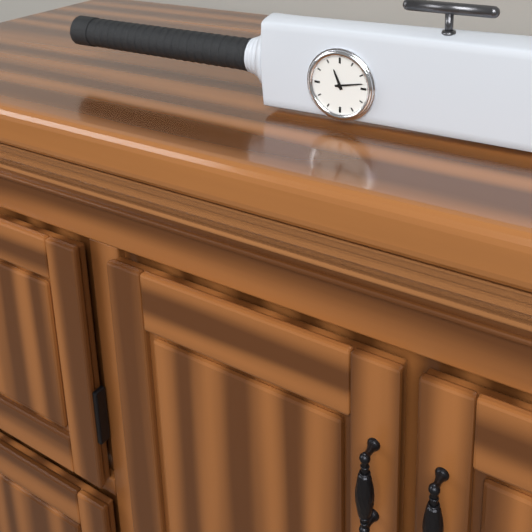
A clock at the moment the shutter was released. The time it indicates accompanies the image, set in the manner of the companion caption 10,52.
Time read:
11,13
